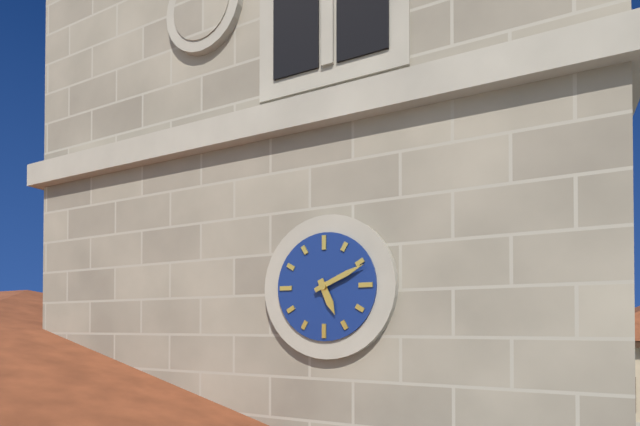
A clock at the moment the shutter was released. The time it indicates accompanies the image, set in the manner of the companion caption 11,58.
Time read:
5,11
